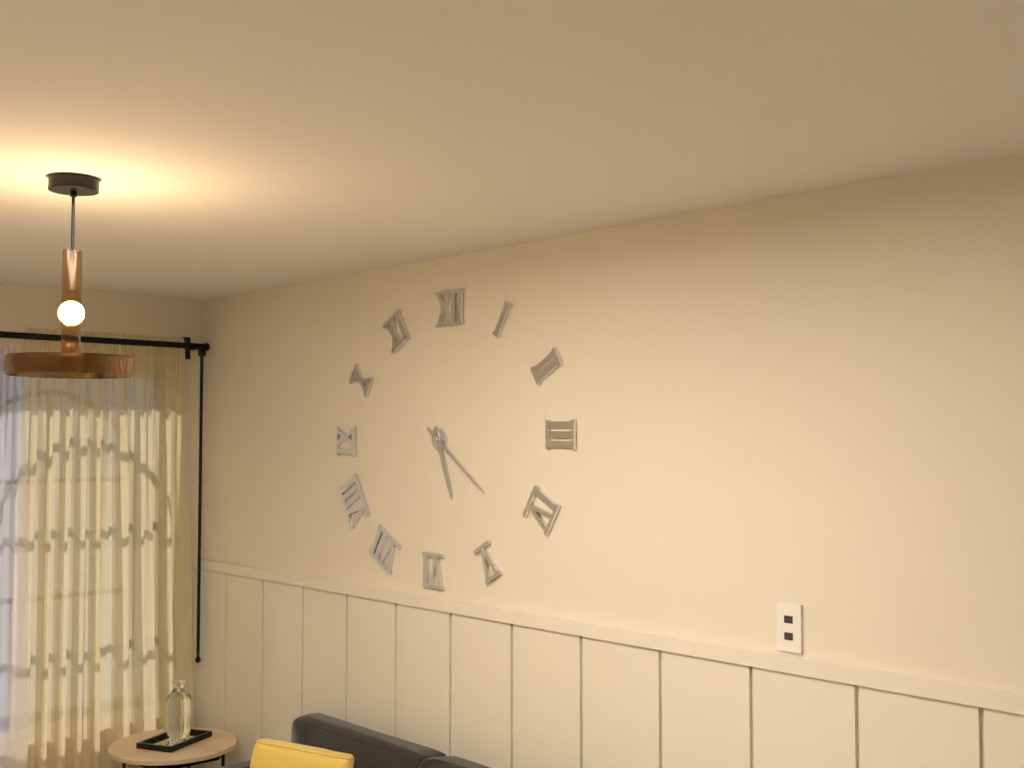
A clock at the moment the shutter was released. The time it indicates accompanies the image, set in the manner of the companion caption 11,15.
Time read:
5,21
